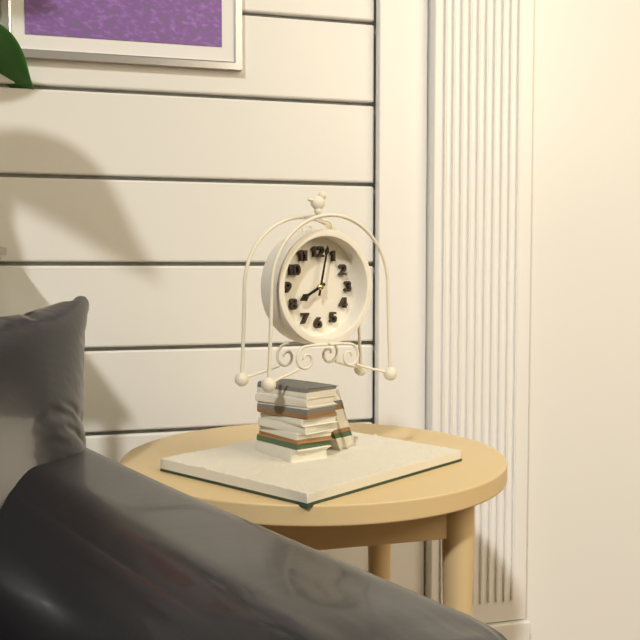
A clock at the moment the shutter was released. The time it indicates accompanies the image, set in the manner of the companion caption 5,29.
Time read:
8,02
